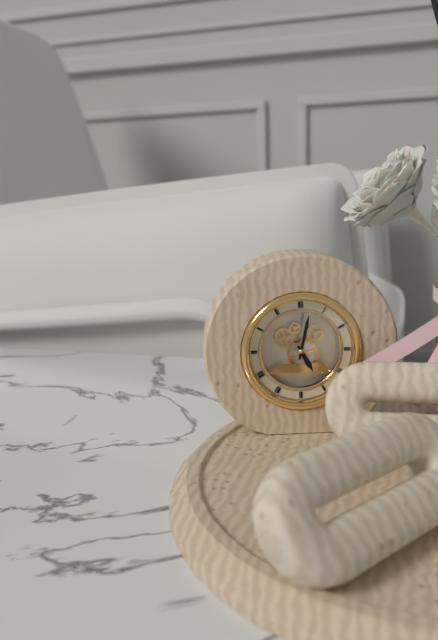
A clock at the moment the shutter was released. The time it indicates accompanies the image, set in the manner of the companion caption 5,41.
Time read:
5,02
